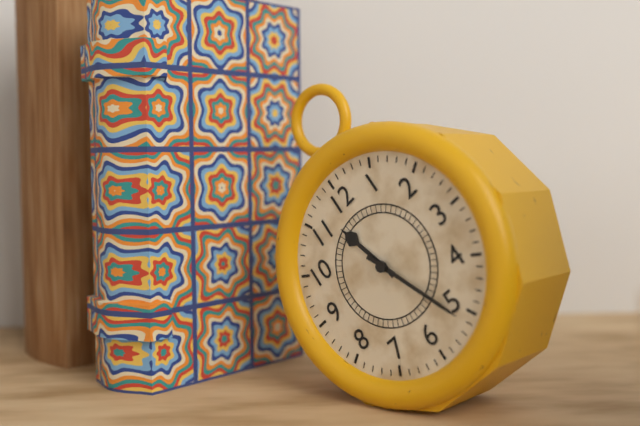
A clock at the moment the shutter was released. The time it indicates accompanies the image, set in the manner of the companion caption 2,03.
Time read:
11,26
